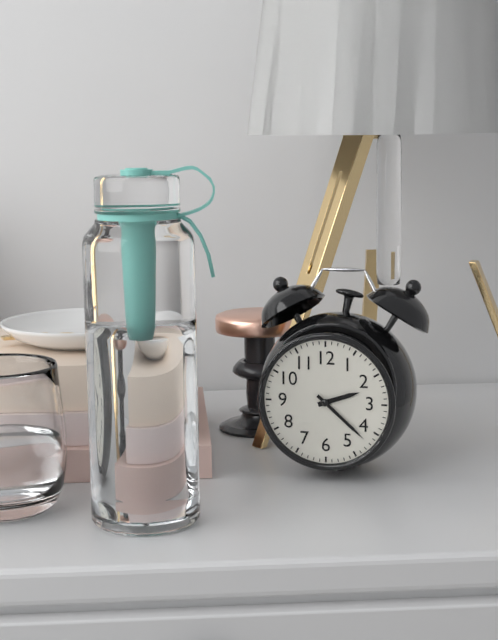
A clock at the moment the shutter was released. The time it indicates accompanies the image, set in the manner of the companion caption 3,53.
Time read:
2,22
